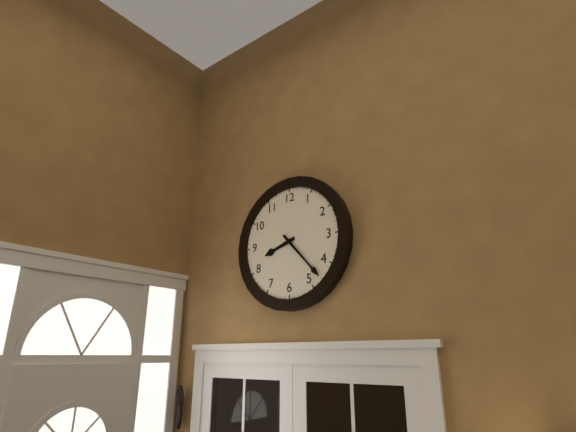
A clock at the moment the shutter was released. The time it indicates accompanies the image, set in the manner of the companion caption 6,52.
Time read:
8,23
